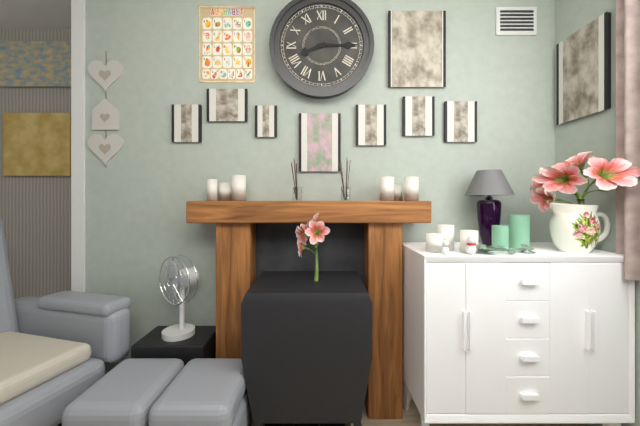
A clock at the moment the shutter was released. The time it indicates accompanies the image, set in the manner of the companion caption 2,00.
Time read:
8,15
